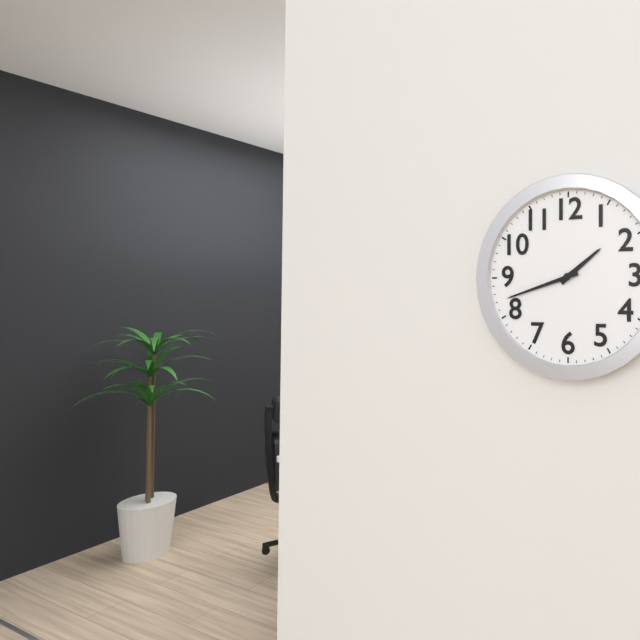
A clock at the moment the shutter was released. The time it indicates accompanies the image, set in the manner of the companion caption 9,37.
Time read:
1,42
